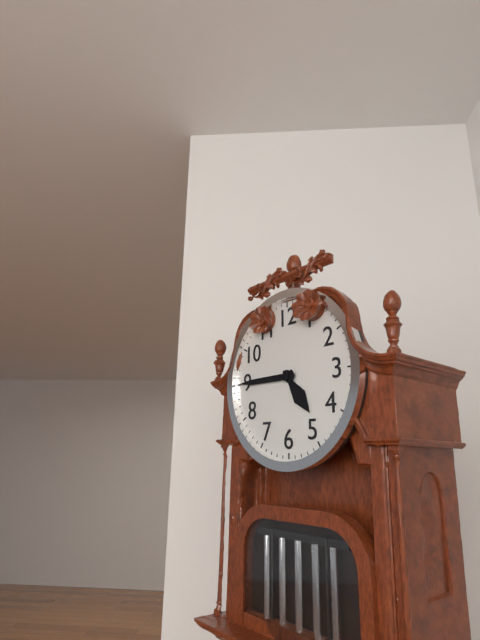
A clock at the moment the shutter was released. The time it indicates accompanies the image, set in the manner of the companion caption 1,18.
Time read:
4,45
